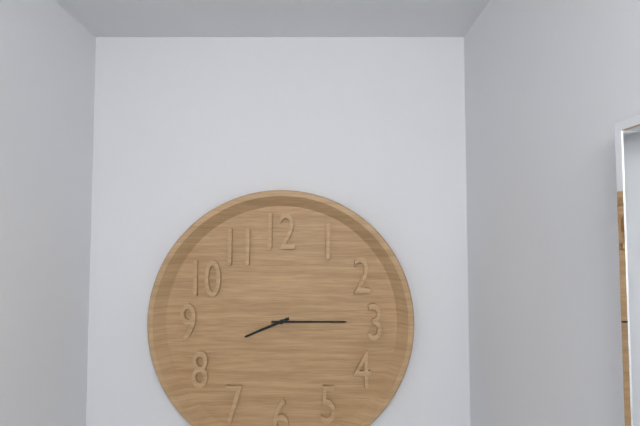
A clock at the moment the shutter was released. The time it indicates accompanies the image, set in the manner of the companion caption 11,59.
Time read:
8,15
